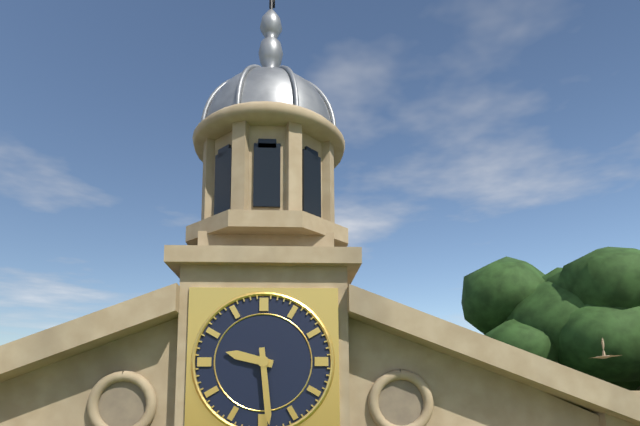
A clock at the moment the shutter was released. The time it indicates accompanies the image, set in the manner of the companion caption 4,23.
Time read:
9,29
